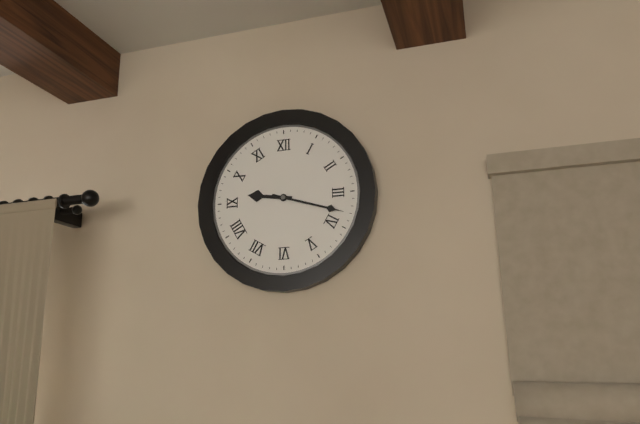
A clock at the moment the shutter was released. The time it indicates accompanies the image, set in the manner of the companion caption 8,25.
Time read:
9,18
